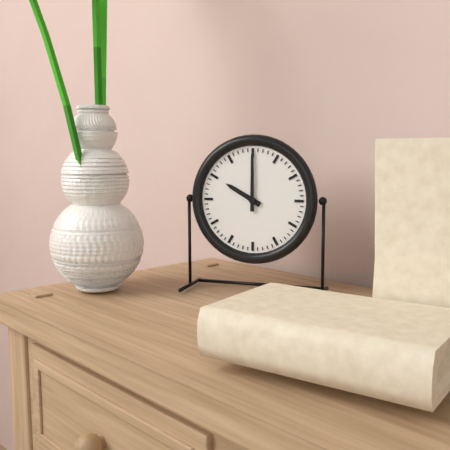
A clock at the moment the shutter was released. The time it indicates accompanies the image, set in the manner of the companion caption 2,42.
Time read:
10,00
